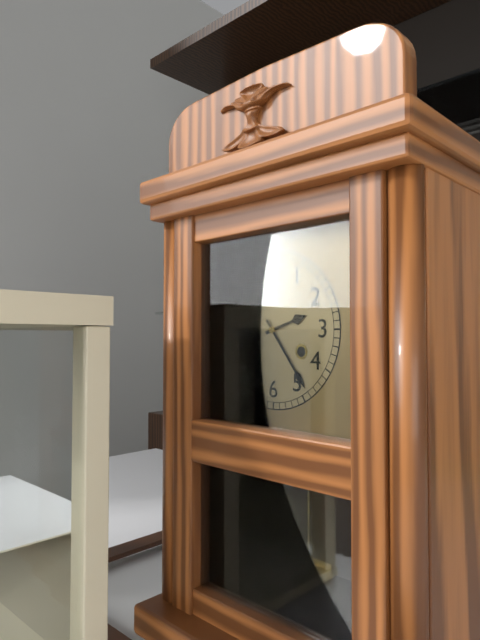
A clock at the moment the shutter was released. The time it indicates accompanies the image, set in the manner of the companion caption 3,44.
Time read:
2,24
